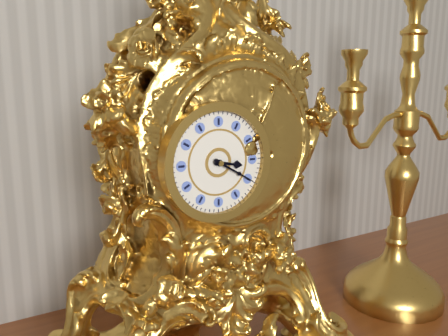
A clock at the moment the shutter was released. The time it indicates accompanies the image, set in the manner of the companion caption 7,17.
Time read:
3,20
